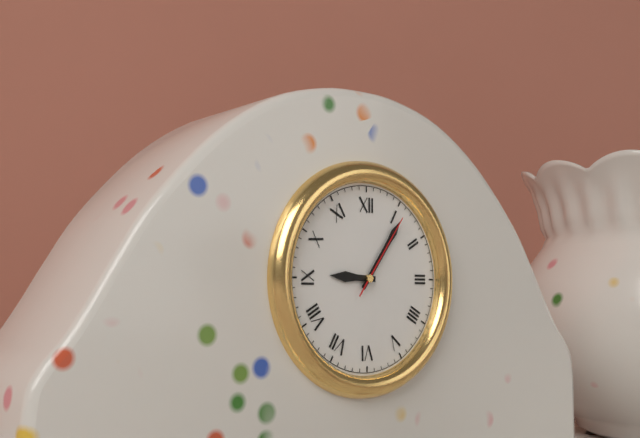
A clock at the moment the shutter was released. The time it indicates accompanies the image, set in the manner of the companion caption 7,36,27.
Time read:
9,06,06
